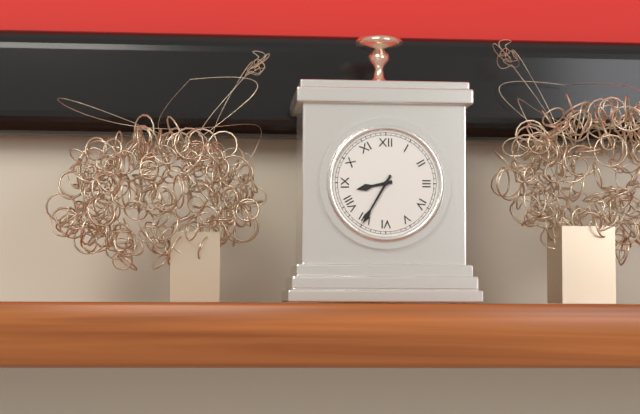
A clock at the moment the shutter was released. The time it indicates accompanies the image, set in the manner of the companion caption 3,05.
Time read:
8,35
